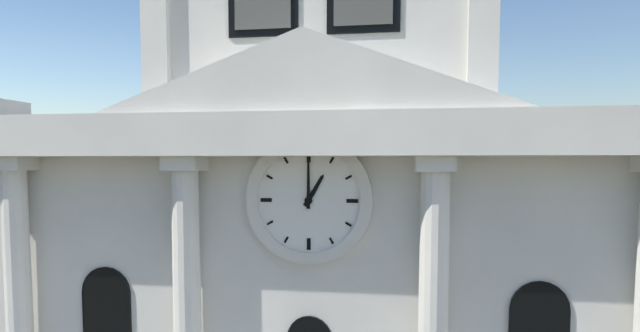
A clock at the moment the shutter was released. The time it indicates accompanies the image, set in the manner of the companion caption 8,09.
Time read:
1,00
